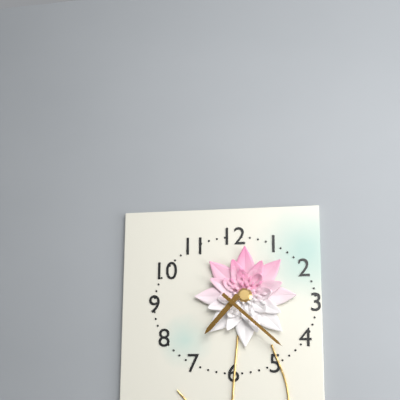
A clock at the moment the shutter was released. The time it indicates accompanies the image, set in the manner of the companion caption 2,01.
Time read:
7,22
